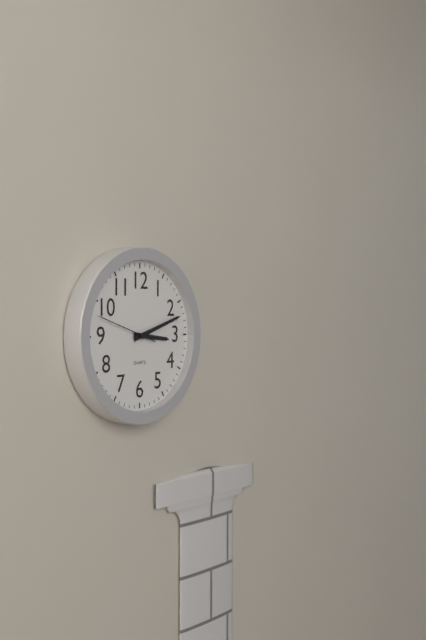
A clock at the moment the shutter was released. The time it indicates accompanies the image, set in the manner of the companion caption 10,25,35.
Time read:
3,12,48
